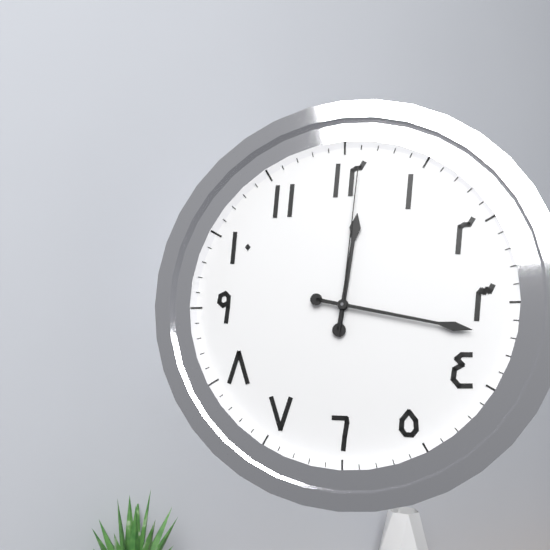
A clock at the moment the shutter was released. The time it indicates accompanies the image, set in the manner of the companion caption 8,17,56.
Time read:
12,17,01
